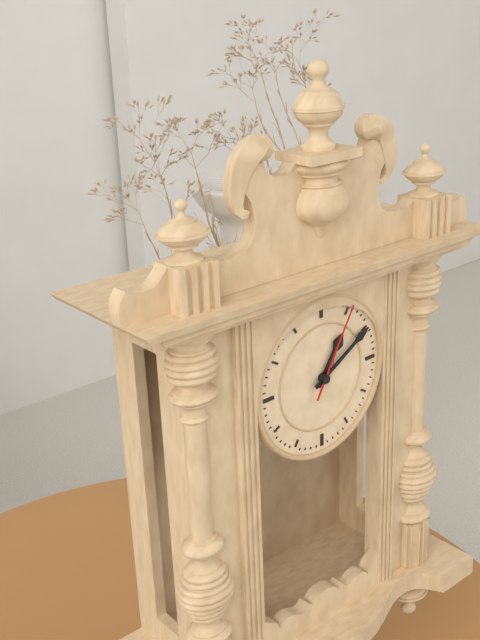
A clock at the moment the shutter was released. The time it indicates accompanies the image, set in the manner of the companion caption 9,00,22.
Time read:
1,10,05
